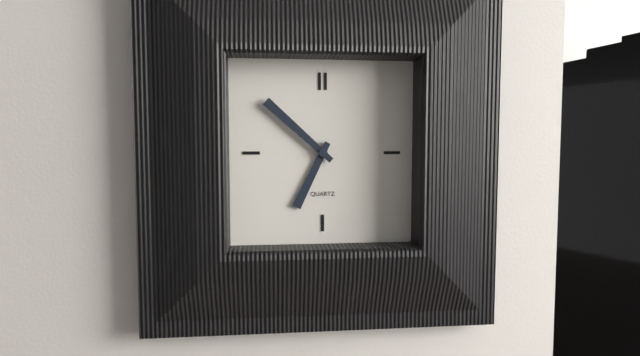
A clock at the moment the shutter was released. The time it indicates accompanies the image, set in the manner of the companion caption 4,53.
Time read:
6,52
